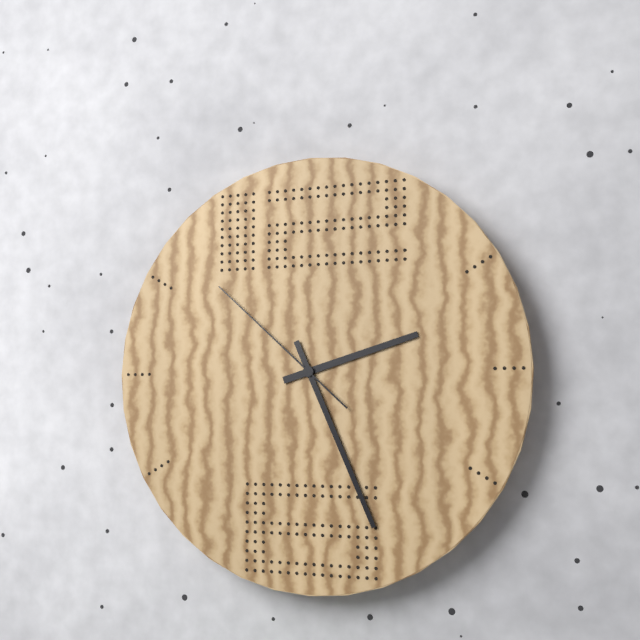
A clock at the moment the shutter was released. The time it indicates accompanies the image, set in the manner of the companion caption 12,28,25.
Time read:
2,26,52
